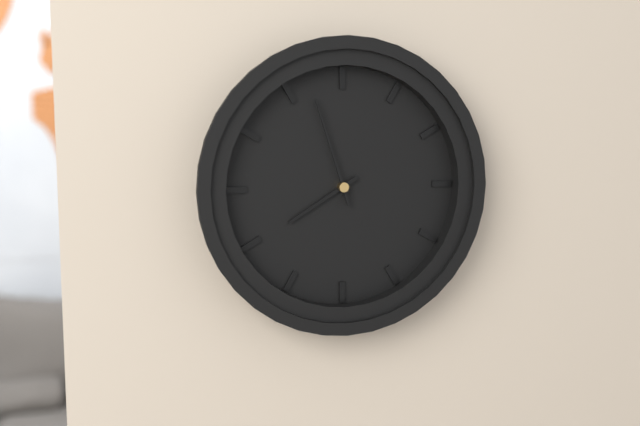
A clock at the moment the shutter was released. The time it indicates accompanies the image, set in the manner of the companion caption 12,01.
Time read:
7,57
